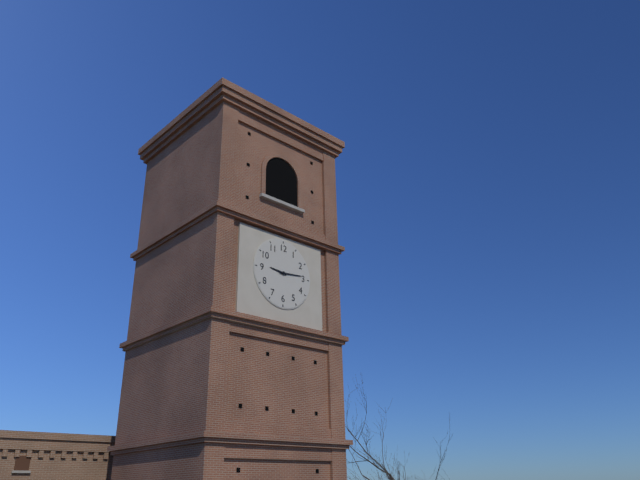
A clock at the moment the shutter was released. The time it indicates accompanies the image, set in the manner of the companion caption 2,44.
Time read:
9,14
